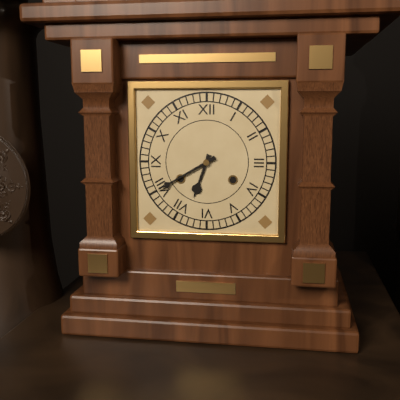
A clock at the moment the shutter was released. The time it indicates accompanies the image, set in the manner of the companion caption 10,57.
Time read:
6,40
